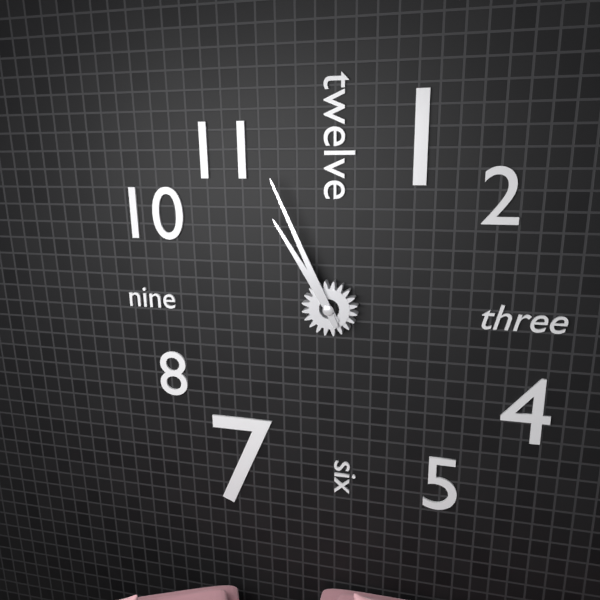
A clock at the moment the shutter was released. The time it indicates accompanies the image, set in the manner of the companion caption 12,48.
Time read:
10,56
